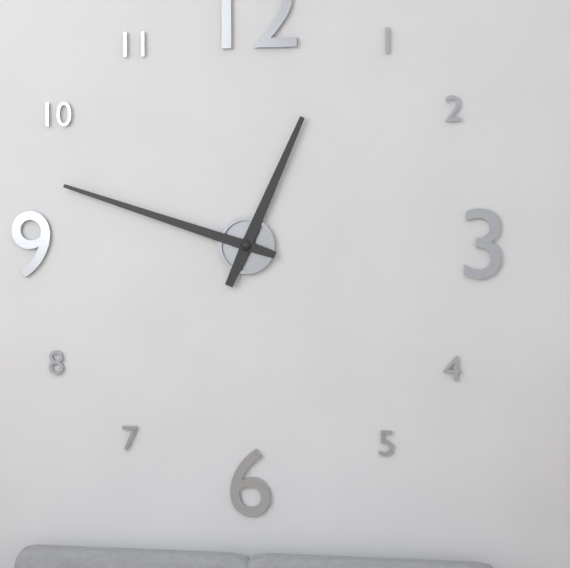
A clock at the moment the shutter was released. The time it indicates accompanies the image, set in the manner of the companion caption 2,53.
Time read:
12,48
